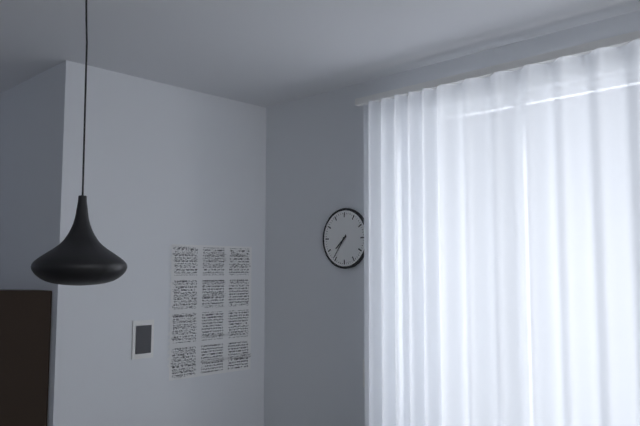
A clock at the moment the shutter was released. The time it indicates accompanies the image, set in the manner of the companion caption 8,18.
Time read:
7,36
